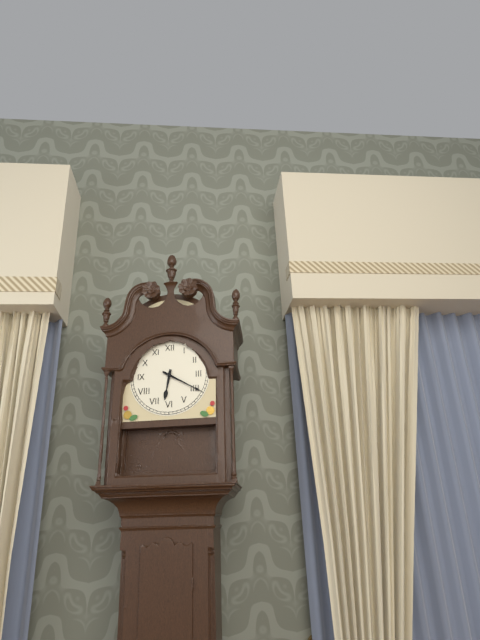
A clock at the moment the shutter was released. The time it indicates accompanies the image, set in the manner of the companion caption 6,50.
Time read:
6,20
